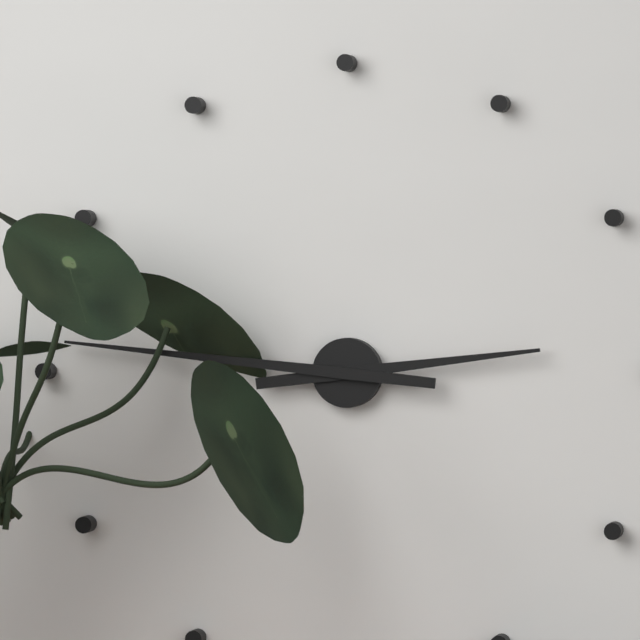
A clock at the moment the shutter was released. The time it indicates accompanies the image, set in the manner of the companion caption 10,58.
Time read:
2,46
